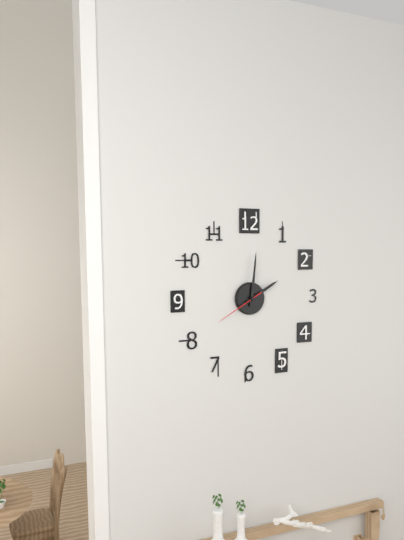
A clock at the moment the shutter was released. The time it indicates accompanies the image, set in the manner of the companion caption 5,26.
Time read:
2,01
